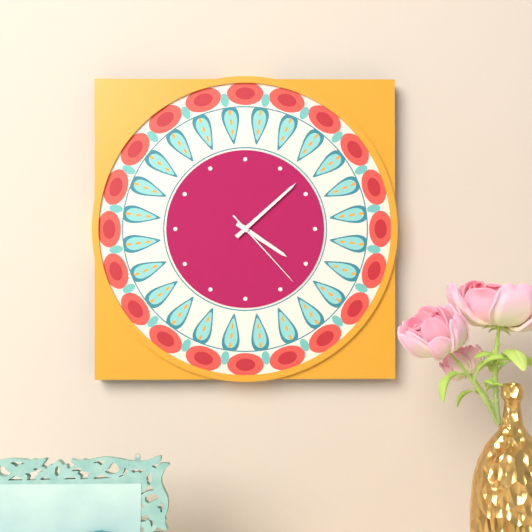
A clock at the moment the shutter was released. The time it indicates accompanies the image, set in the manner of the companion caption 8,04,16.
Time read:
4,08,23
